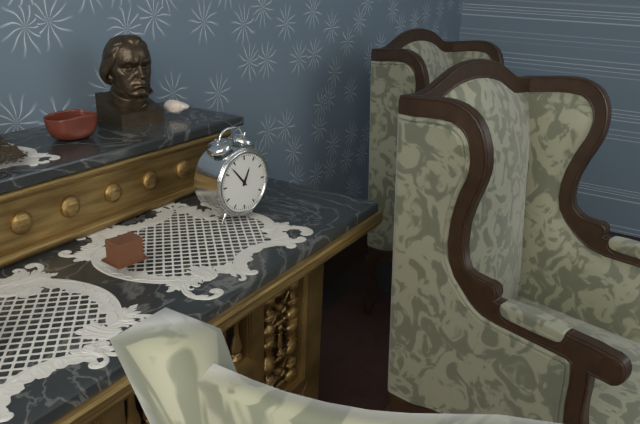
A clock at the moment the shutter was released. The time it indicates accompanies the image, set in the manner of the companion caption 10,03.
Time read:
12,53
